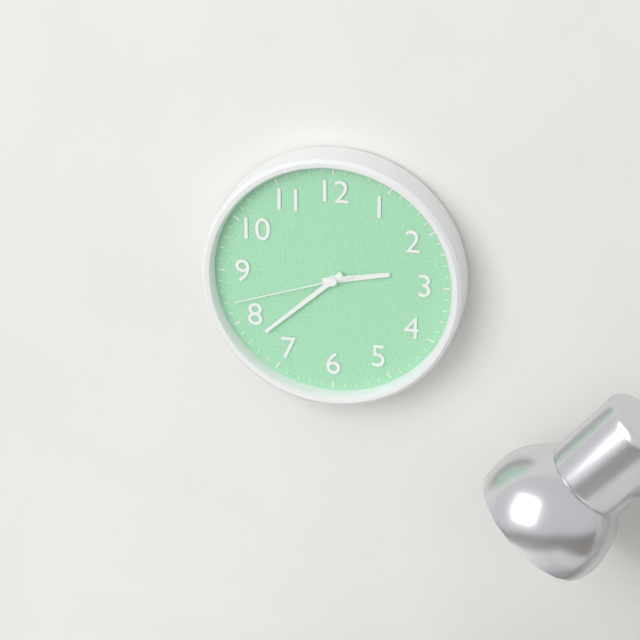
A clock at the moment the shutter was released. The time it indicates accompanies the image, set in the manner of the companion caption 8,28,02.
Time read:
2,38,42
